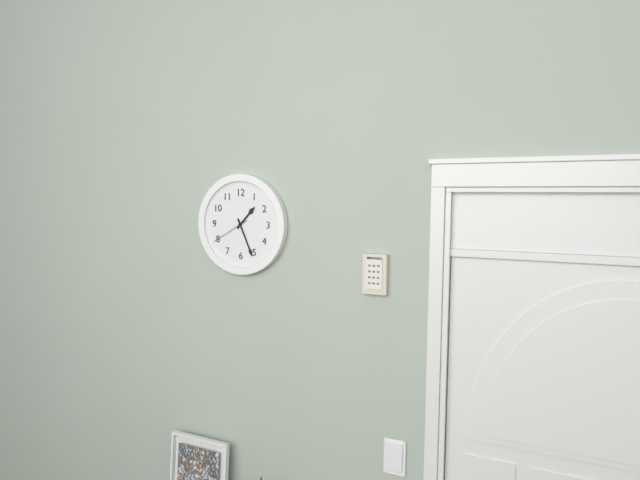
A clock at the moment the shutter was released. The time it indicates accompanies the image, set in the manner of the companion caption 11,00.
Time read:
1,26
